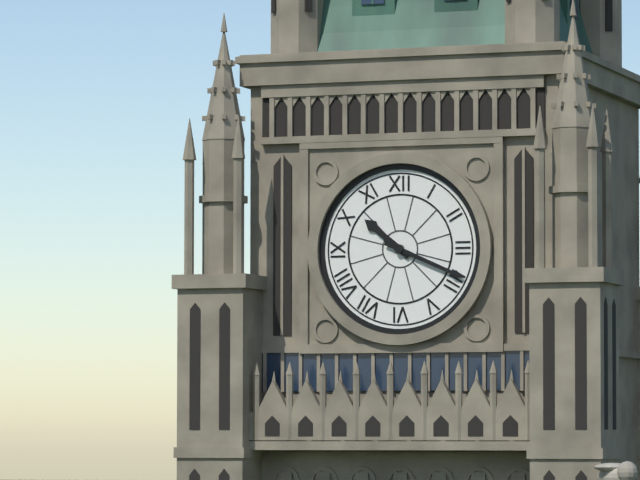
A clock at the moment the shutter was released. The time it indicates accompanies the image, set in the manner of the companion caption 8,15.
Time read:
10,19
